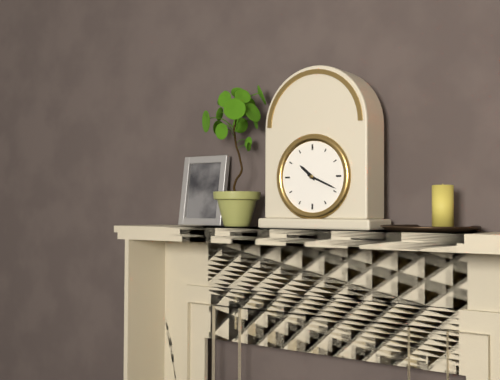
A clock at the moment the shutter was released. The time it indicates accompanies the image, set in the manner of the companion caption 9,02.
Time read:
10,19
